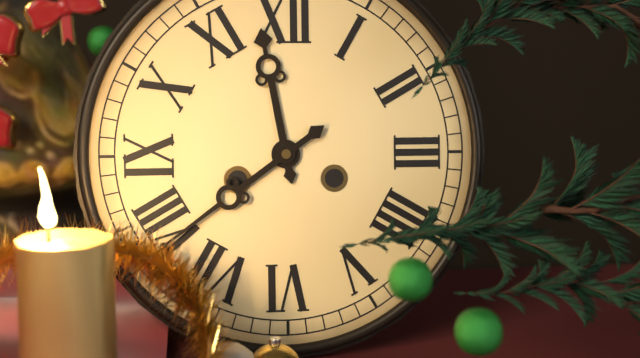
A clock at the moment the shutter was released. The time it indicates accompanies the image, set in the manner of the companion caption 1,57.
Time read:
11,39
